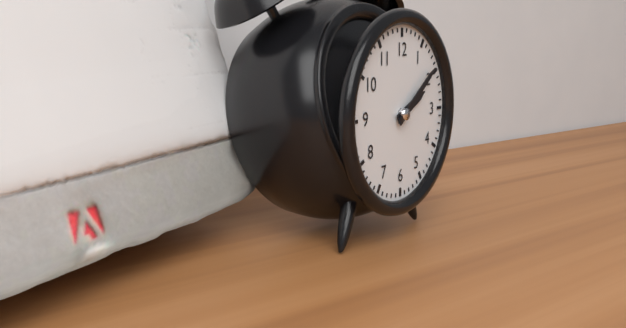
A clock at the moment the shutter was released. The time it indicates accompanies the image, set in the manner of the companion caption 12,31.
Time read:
2,09
